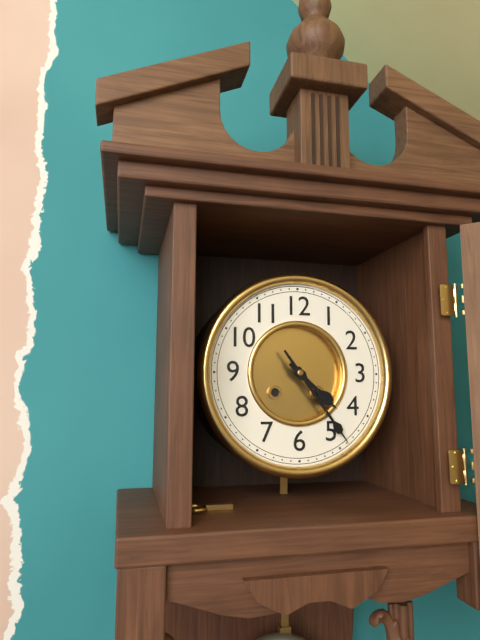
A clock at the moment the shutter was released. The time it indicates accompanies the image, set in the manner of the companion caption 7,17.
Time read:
4,24
